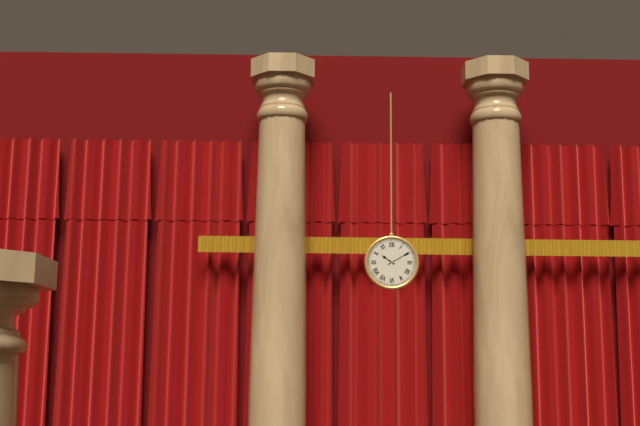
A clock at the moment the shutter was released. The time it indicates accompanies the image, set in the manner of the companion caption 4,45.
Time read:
10,10
